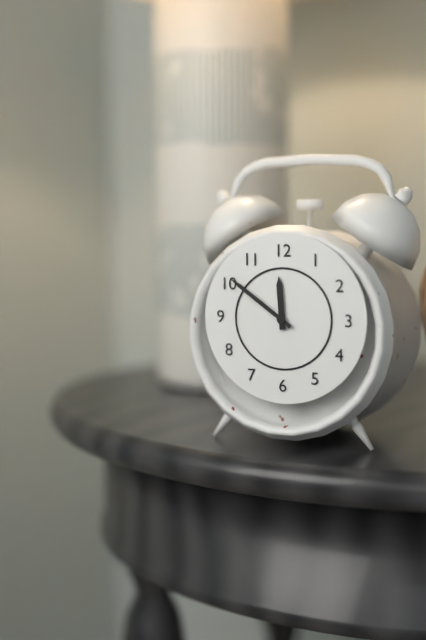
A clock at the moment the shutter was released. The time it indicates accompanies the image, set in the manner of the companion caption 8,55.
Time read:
11,51
